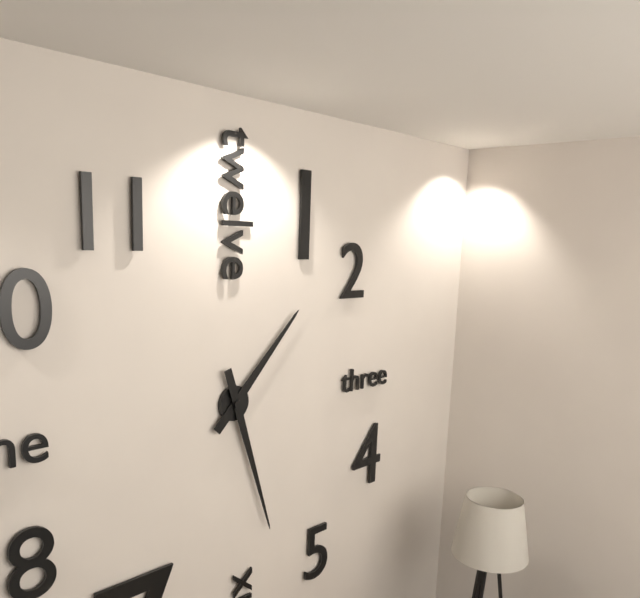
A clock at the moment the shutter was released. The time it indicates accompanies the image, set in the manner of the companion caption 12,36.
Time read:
1,27
